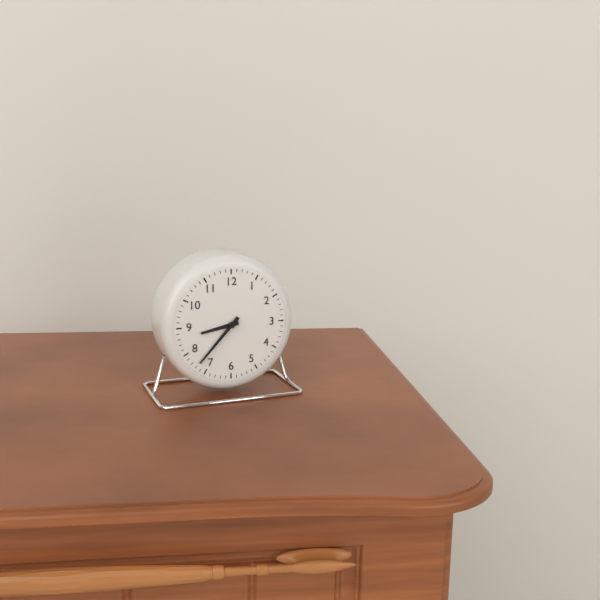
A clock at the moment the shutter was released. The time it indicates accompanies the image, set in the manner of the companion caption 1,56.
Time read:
8,37
